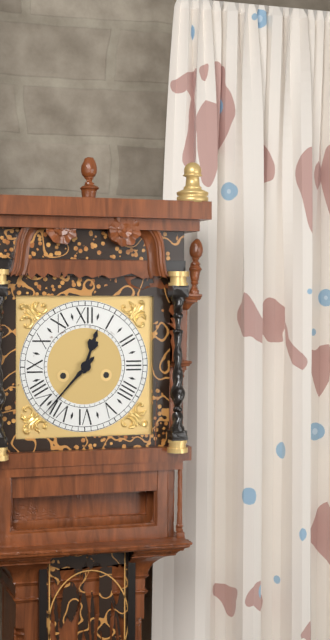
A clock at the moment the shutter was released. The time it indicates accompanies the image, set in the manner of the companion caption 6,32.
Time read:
12,37
